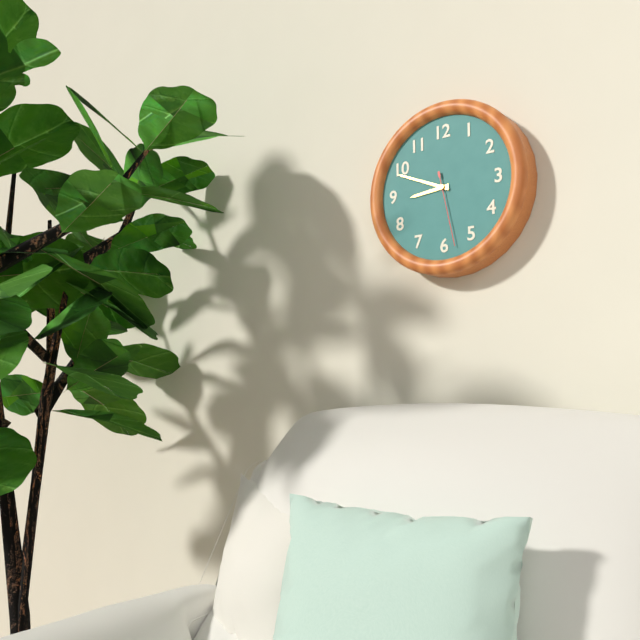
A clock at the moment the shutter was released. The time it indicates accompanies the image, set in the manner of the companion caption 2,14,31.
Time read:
8,49,28
